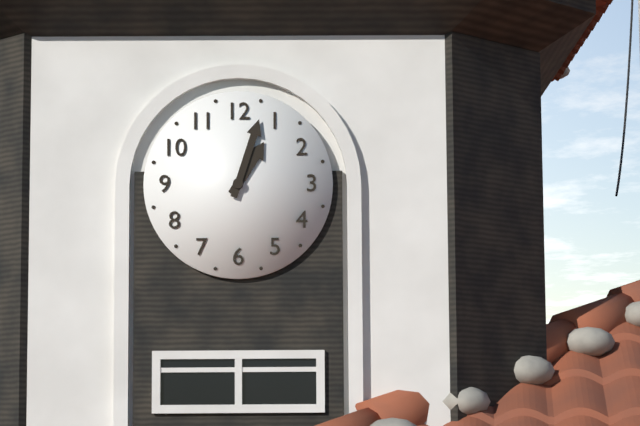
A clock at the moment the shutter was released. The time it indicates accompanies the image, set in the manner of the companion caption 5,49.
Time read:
1,03
